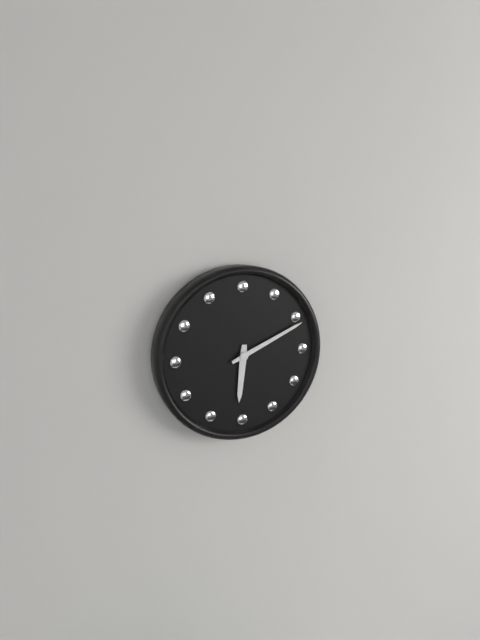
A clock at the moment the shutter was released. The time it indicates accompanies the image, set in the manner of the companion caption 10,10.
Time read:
6,11
